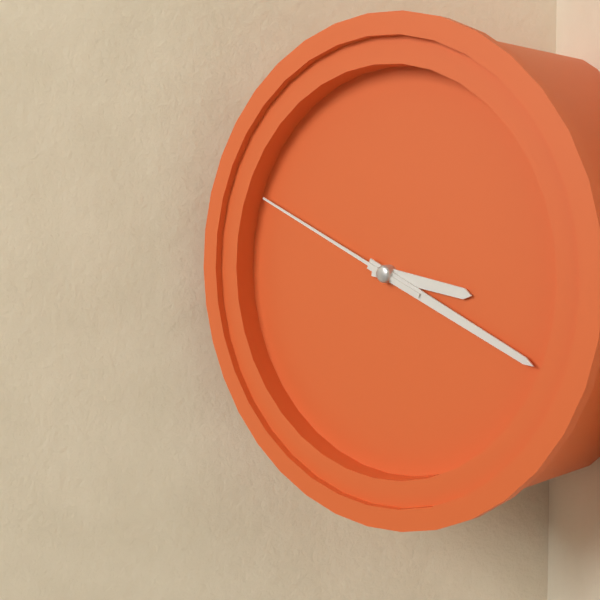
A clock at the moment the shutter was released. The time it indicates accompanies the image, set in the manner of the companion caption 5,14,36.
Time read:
3,19,49
